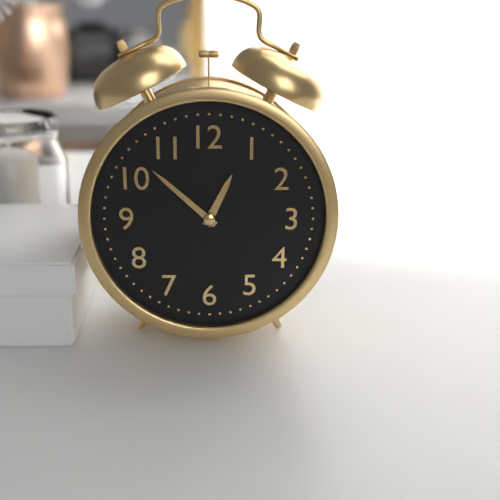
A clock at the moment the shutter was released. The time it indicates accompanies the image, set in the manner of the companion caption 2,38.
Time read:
12,52
